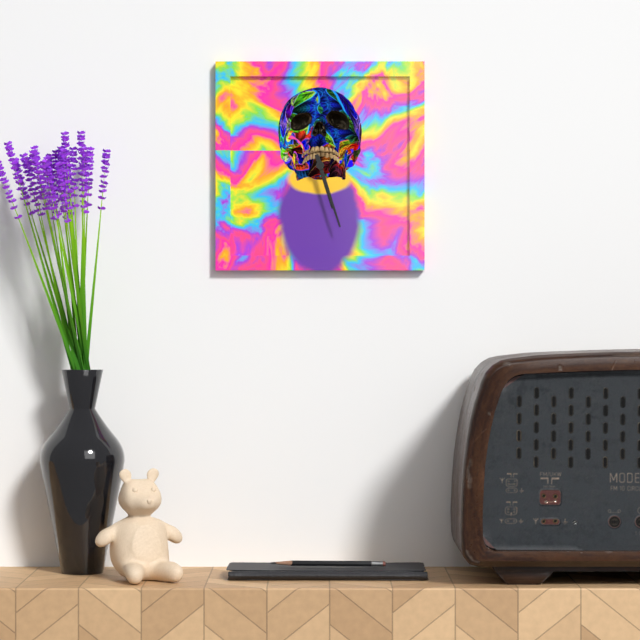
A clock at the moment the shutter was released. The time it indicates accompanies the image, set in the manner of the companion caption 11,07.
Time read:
5,27
